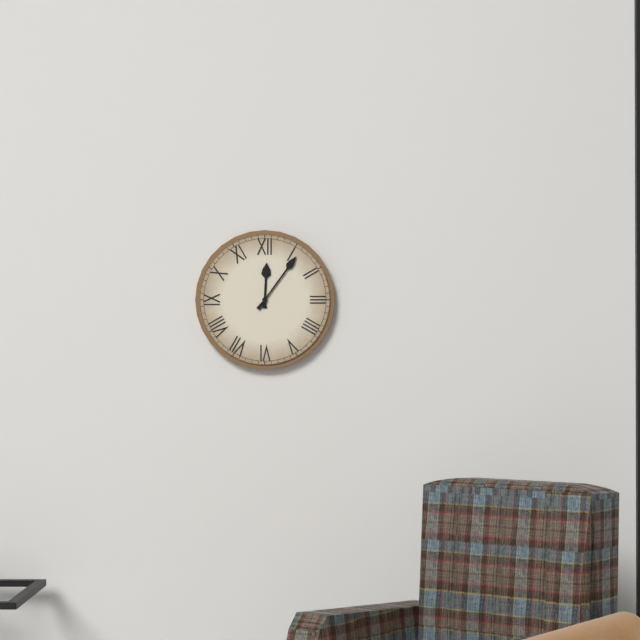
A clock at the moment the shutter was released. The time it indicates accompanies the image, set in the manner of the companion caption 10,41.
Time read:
12,06
